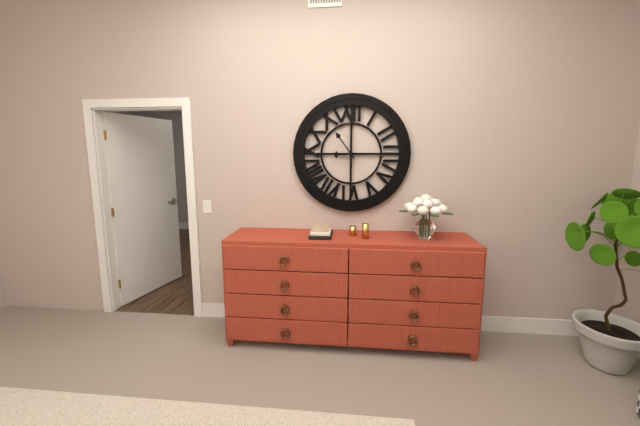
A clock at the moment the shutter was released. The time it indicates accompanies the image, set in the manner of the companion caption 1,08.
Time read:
8,54
